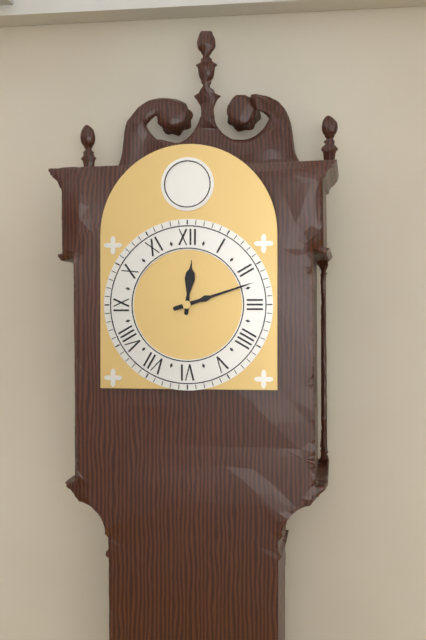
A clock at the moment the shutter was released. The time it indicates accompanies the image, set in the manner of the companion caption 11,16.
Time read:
12,12
